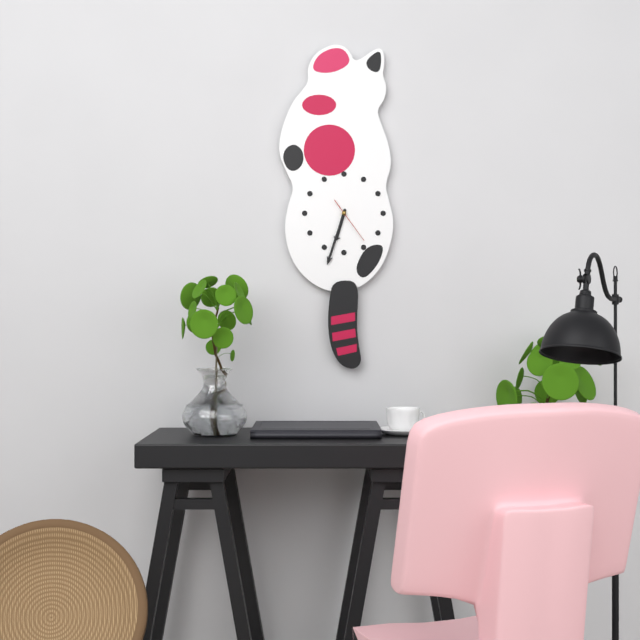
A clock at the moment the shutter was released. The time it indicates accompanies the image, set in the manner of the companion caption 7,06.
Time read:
6,33
